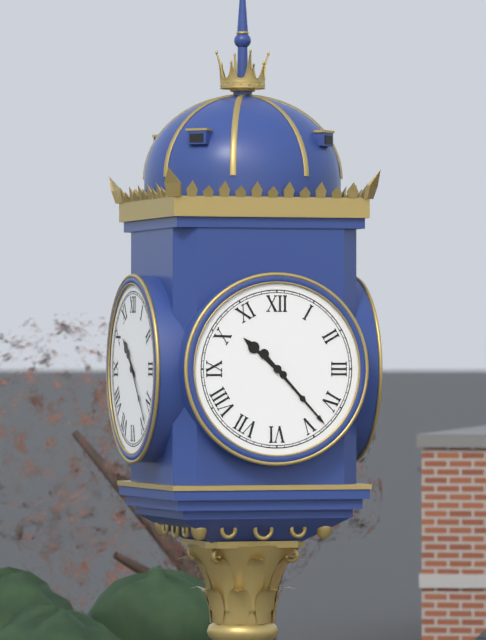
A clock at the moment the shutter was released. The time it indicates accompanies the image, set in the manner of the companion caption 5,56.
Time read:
10,23
